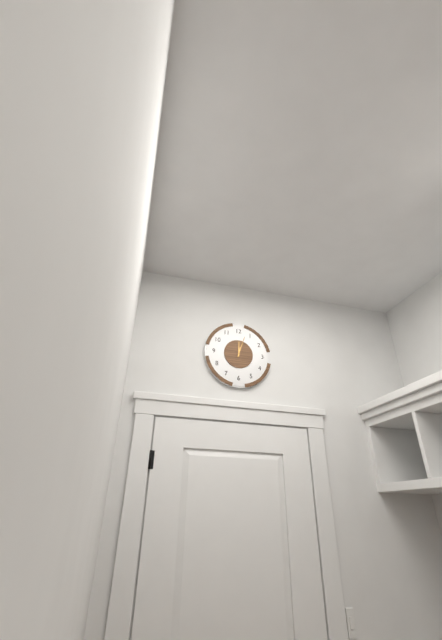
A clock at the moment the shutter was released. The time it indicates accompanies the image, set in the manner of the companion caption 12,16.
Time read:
12,03
